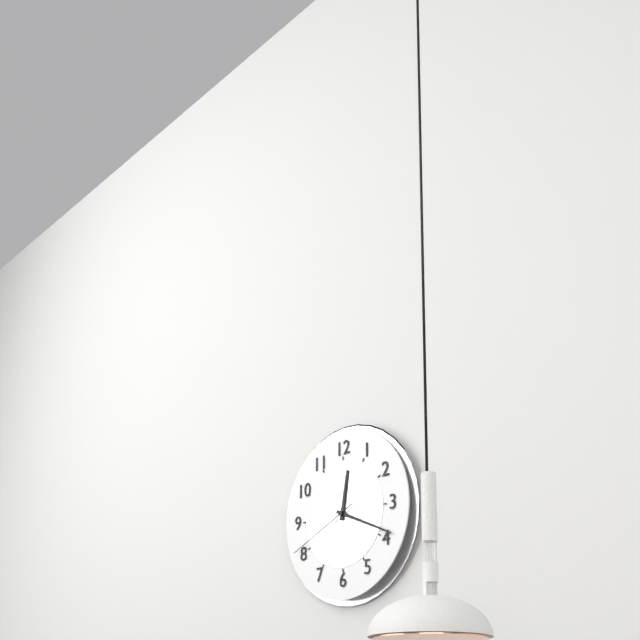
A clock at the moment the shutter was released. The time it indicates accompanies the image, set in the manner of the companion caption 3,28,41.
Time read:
12,19,41
